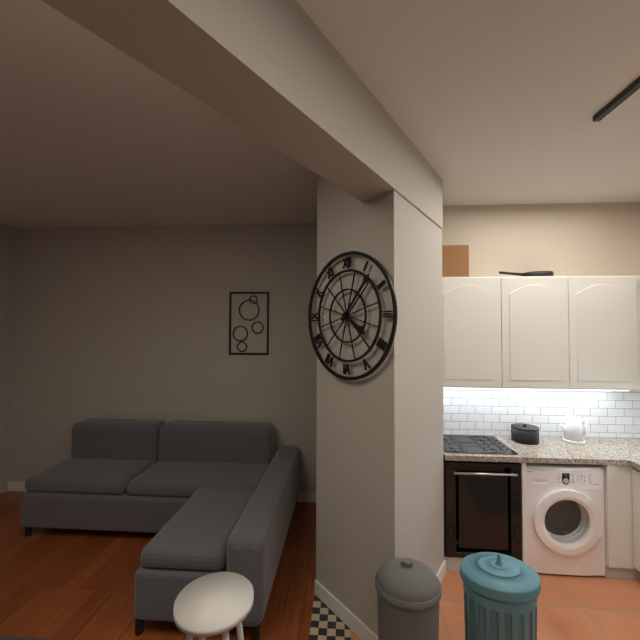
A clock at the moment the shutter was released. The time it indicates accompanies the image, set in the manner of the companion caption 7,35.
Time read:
4,07
